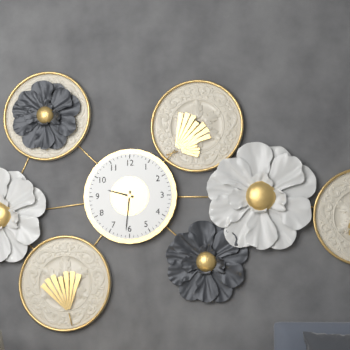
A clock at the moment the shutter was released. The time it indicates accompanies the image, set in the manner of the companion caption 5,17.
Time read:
9,31
